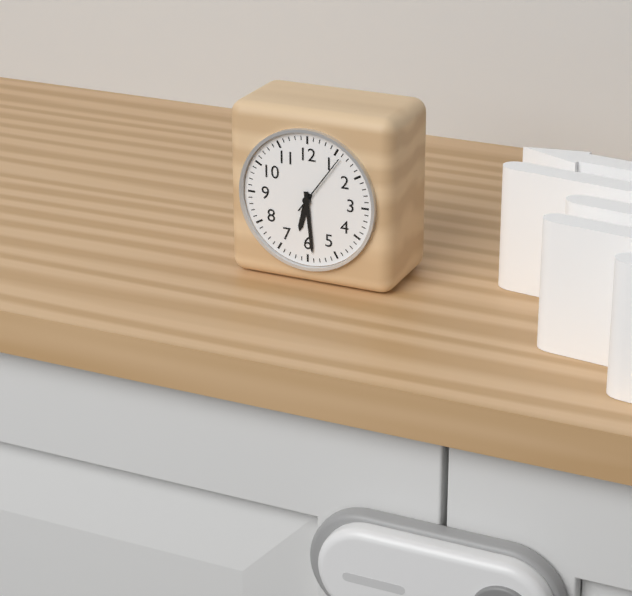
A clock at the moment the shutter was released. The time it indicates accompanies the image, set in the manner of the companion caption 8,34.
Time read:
6,29
